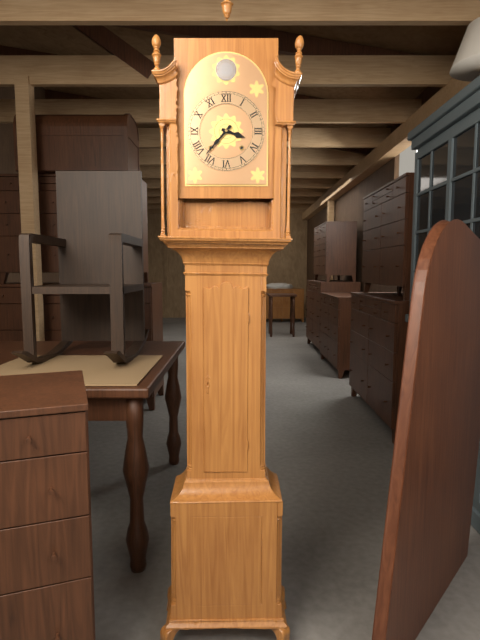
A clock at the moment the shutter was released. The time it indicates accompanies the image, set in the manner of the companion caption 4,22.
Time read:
3,37
